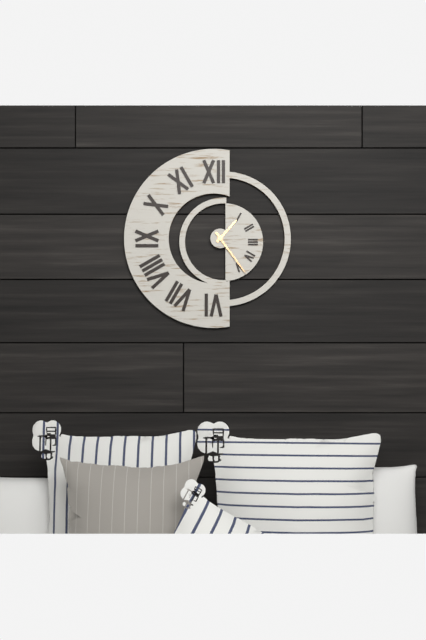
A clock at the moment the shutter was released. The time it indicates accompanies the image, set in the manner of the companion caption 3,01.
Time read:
1,24
